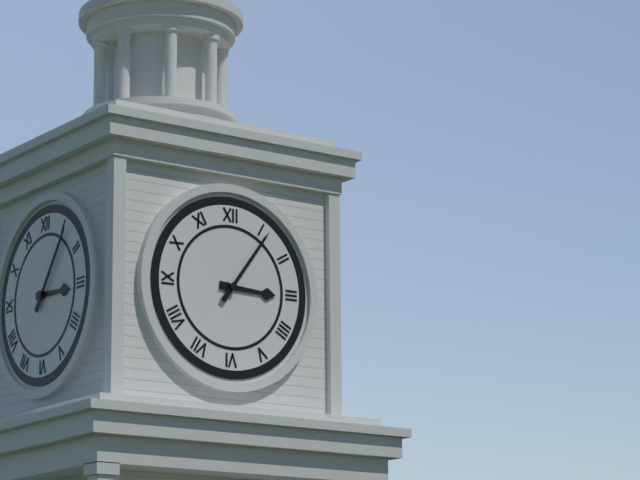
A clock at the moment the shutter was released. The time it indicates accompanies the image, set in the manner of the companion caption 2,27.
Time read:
3,06
